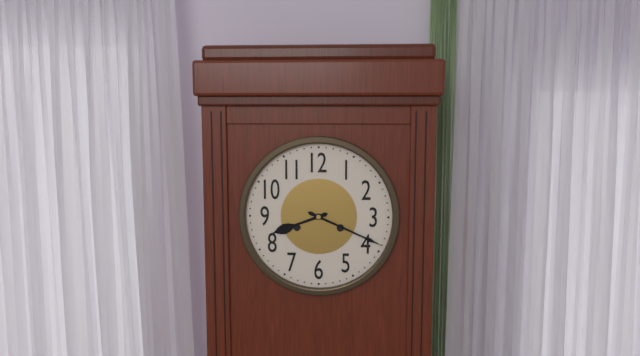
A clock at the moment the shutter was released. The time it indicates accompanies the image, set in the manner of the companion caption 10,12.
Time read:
8,19
